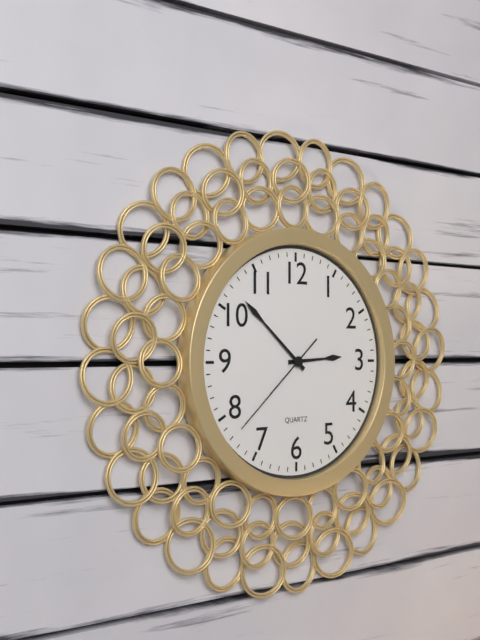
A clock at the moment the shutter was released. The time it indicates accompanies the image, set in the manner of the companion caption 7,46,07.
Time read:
2,52,38
